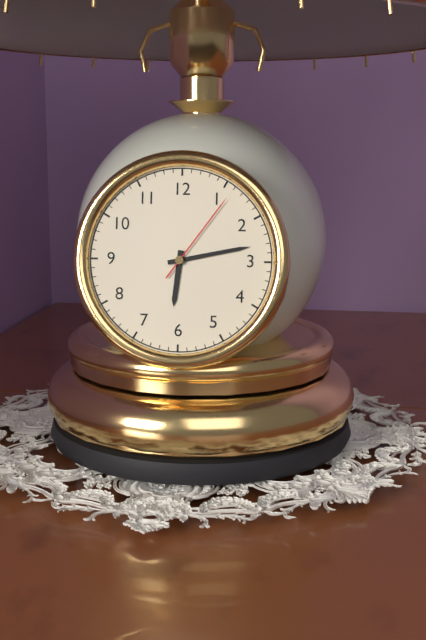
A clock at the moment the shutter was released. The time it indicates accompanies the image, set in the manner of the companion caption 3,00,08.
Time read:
6,13,06
